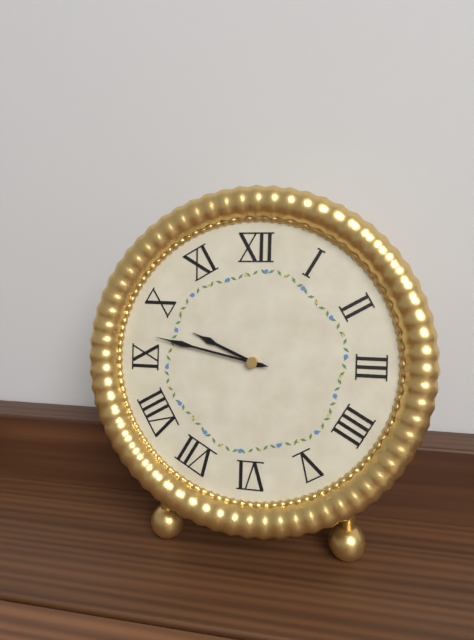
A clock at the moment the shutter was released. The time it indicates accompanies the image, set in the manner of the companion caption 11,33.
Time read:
9,47
